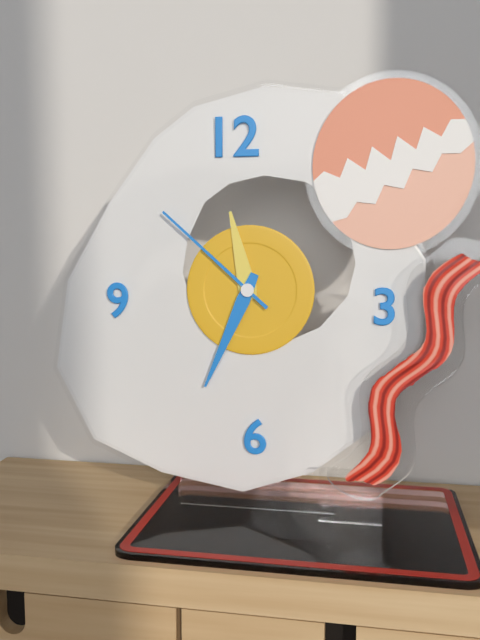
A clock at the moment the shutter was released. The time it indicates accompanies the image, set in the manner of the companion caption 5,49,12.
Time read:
11,34,52
